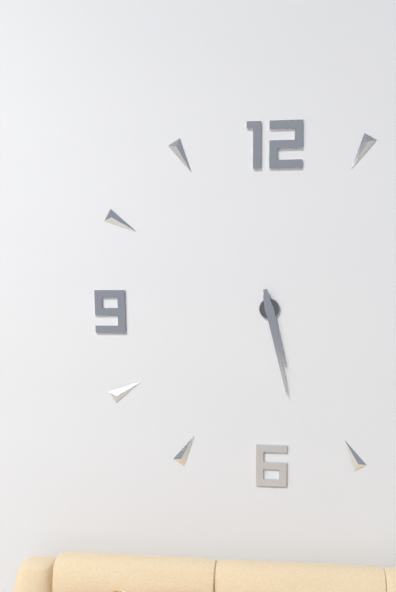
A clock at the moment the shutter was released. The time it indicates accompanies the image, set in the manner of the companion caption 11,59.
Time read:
5,28
